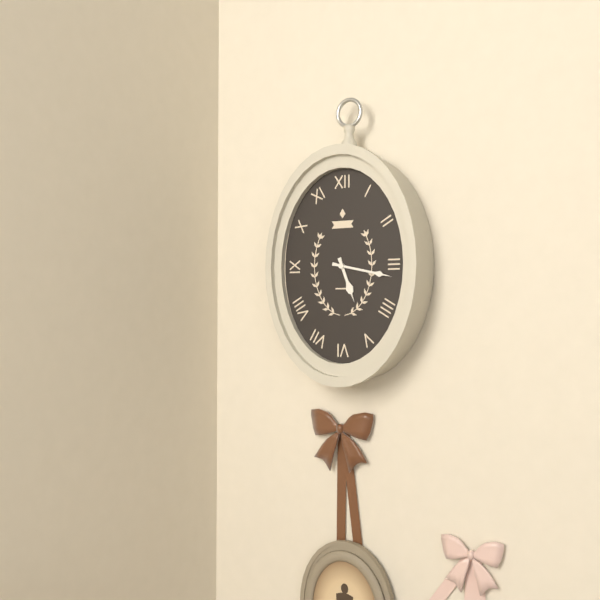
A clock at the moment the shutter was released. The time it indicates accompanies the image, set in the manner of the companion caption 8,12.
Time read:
5,17
